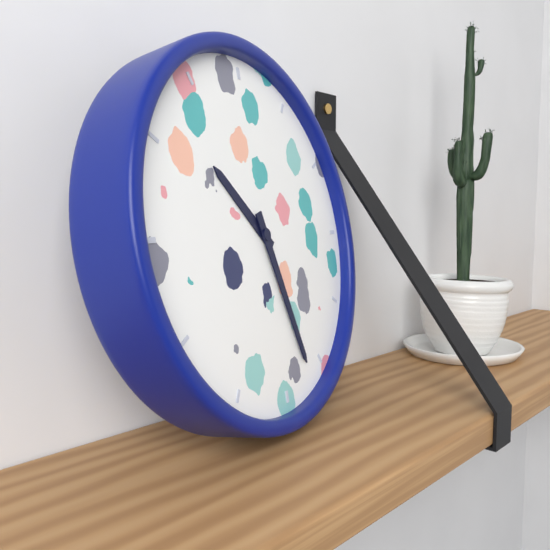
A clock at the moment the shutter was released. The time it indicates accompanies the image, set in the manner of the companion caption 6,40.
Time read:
10,27
